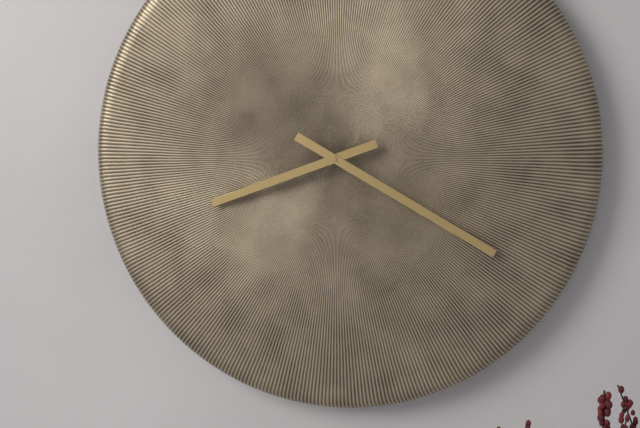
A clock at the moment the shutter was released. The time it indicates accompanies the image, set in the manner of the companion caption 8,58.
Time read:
8,20
